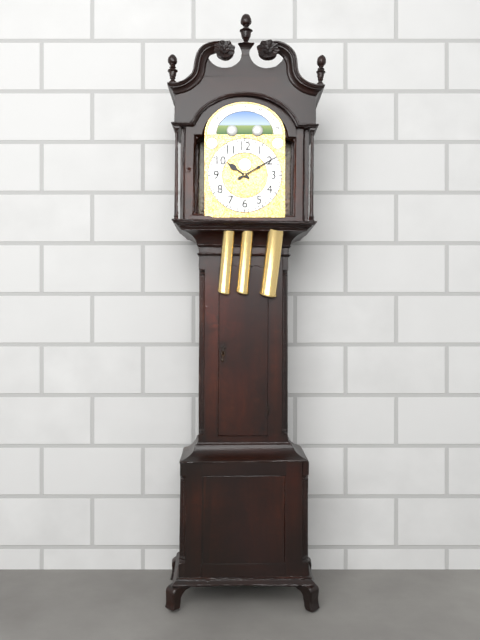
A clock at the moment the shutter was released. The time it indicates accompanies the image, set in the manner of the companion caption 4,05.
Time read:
10,10
